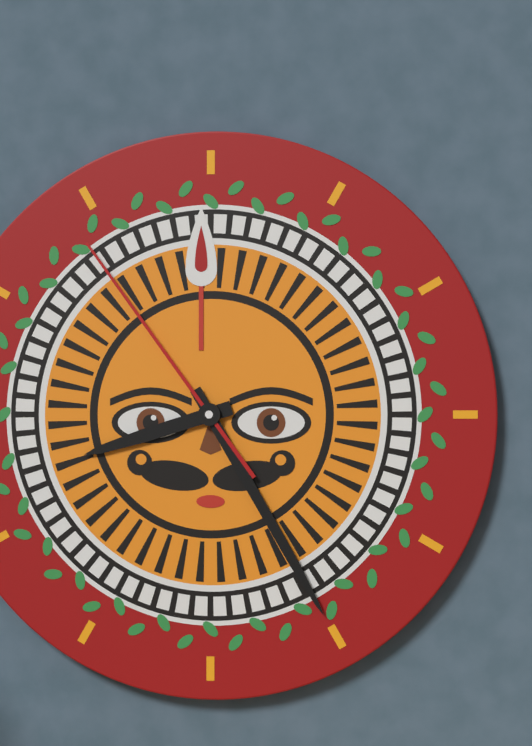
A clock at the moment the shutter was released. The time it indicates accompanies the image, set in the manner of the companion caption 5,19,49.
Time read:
8,25,54
